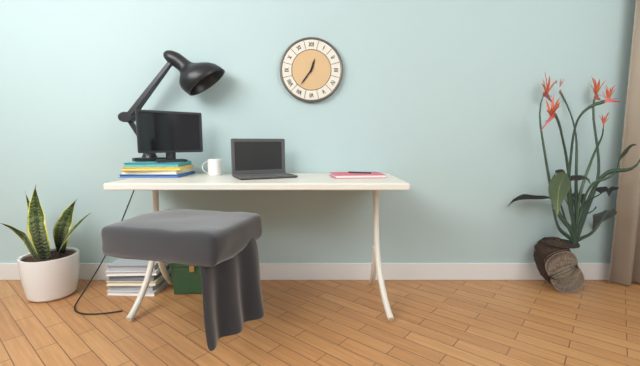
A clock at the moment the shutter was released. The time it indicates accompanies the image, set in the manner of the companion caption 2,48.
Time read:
12,36
